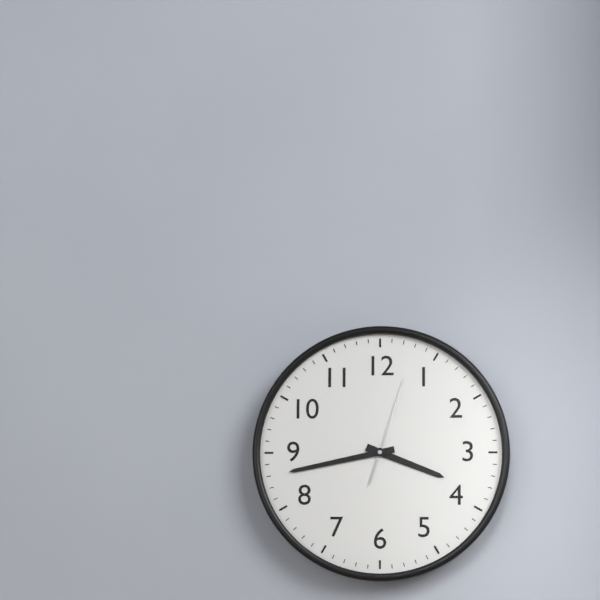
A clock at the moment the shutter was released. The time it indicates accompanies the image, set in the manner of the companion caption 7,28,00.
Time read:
3,43,03
